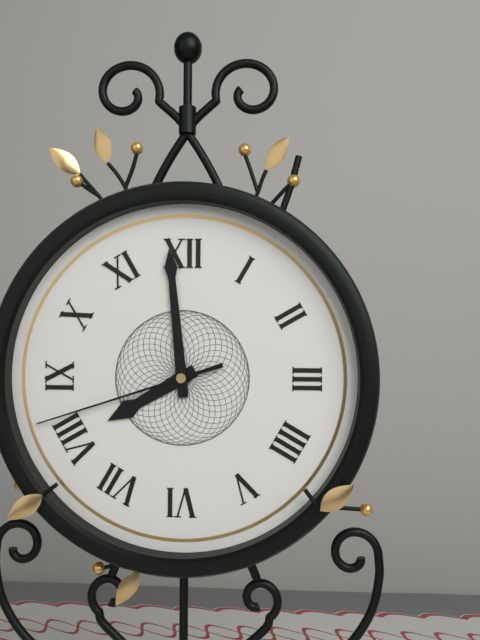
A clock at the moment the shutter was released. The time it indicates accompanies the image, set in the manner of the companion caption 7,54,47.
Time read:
7,59,42
